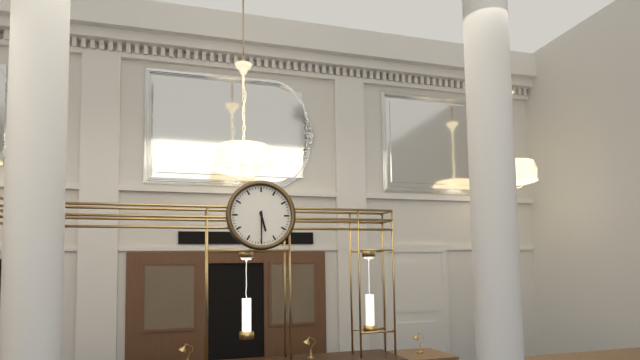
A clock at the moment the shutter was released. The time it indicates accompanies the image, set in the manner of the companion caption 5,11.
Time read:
5,30
